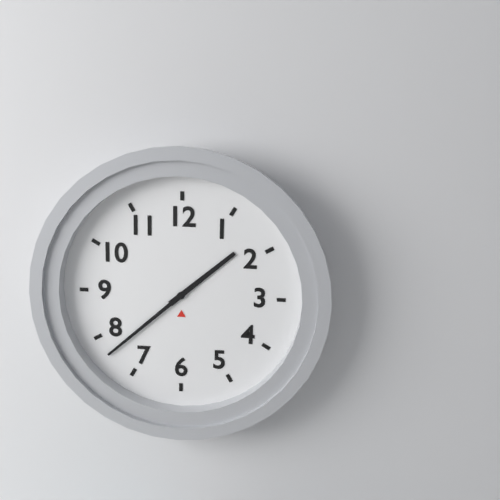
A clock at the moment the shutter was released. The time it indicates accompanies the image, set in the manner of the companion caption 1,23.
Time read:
1,38
